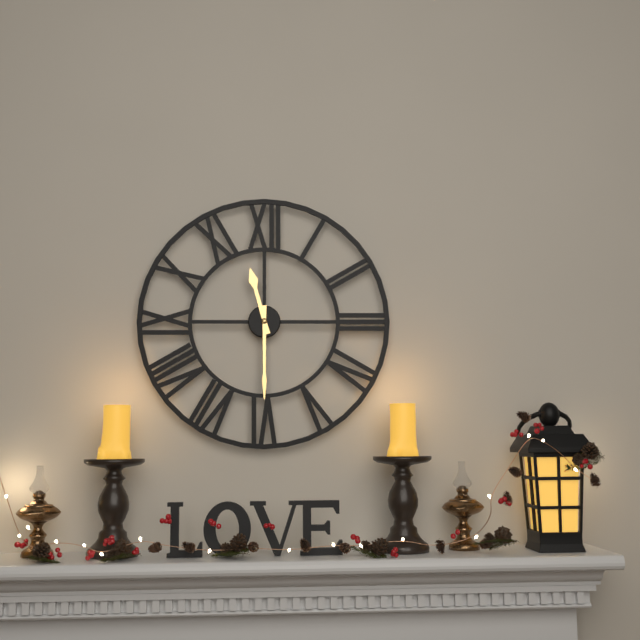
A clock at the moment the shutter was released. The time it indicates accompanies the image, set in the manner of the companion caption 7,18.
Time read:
11,30
